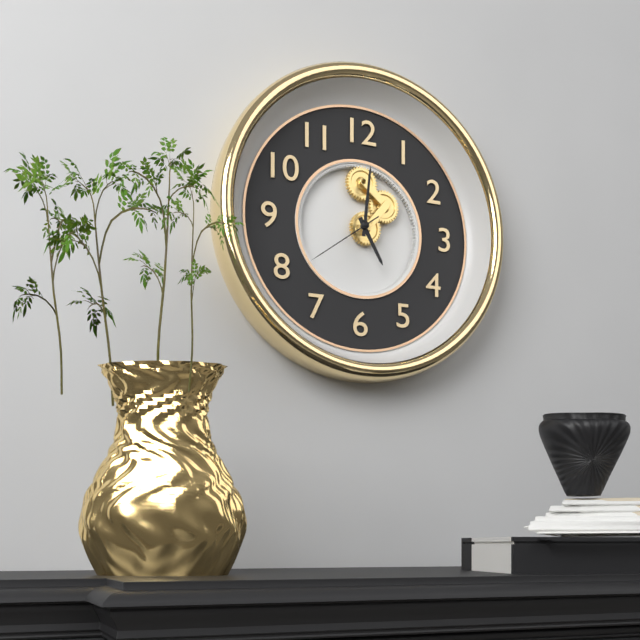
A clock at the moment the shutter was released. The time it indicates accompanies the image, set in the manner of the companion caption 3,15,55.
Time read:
5,01,39
